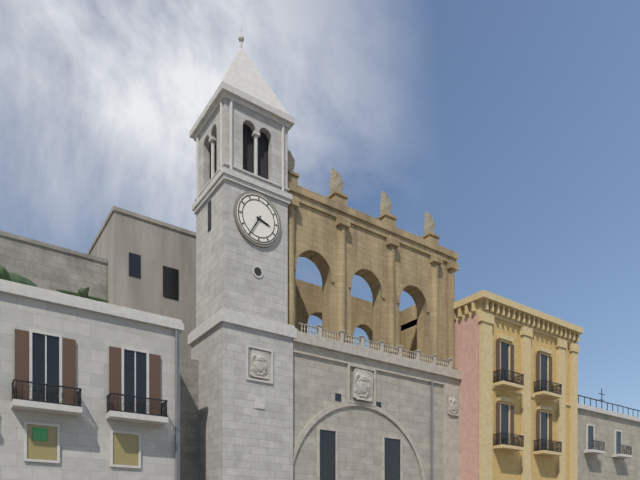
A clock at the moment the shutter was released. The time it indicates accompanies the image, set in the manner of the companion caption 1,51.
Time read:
3,35
